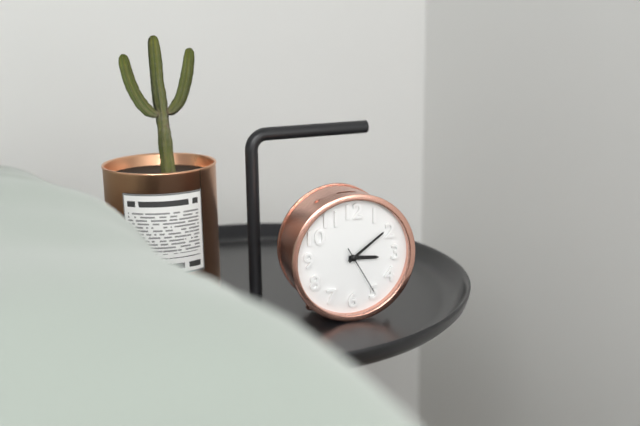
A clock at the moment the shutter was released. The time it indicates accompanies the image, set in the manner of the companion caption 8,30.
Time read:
3,09
